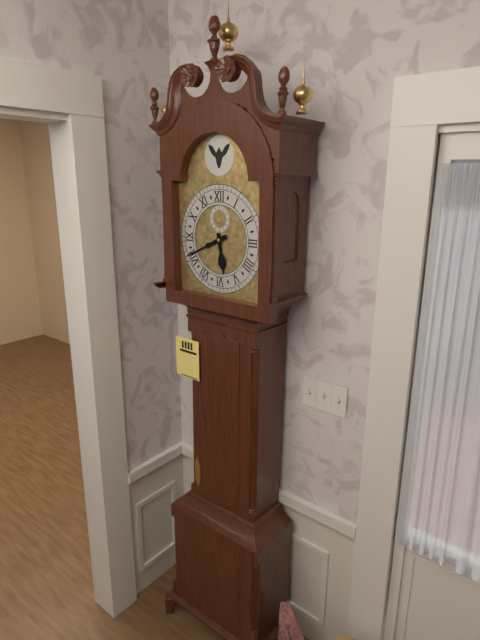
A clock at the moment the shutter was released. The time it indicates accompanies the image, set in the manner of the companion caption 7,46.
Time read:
5,41
